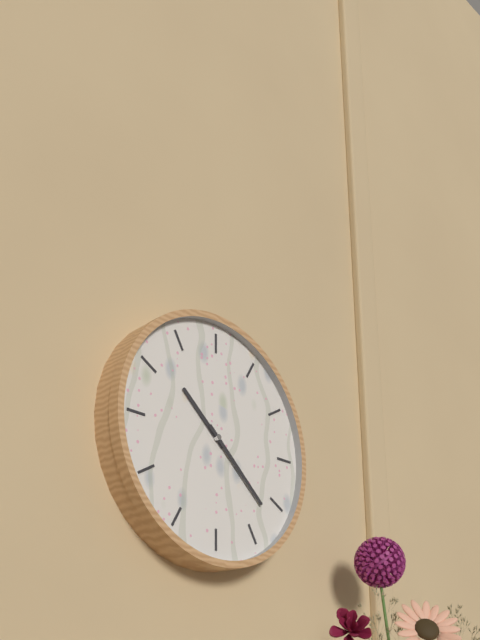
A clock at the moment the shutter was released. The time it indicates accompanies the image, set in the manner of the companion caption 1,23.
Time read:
10,22
